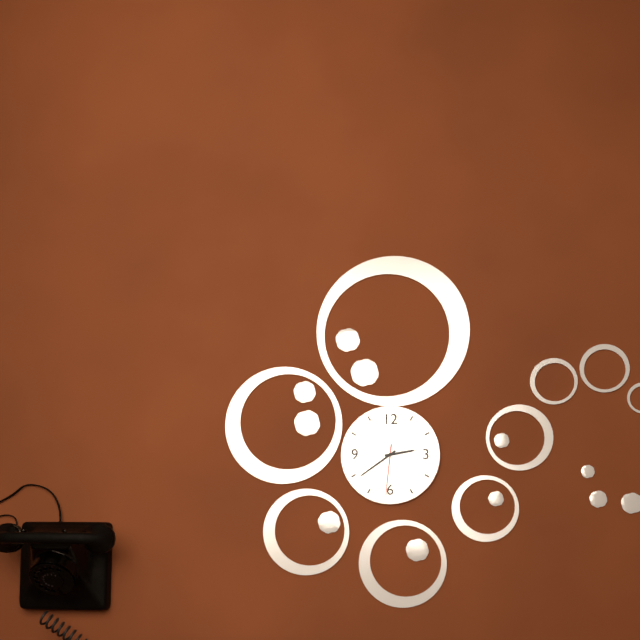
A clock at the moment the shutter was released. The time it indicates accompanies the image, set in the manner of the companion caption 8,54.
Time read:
2,39
